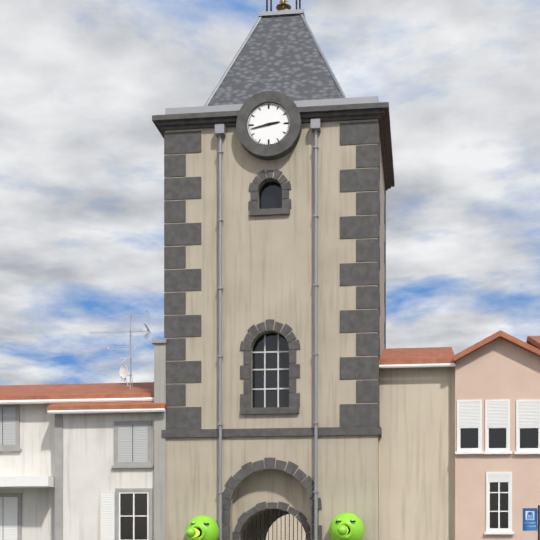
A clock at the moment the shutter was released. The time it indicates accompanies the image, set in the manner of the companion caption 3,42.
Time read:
2,43
